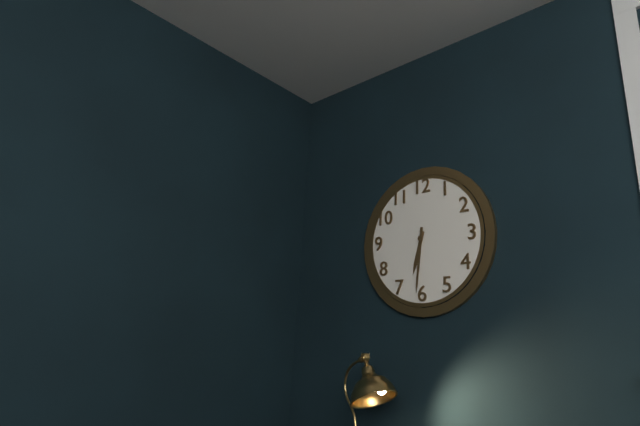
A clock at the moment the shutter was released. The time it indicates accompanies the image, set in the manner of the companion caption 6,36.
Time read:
6,31
